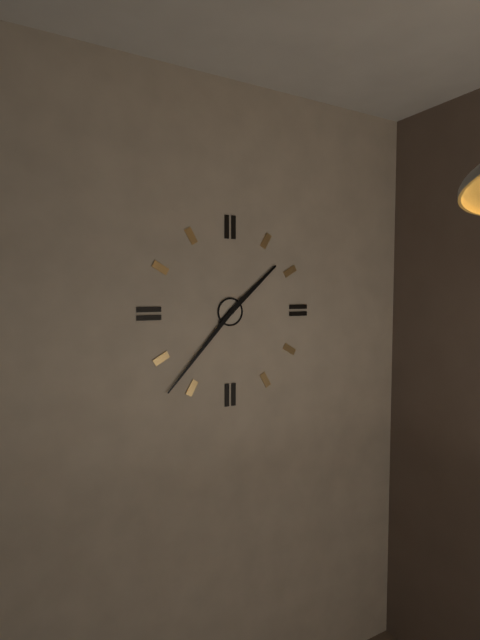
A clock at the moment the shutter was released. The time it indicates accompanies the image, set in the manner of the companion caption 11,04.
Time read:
1,37
